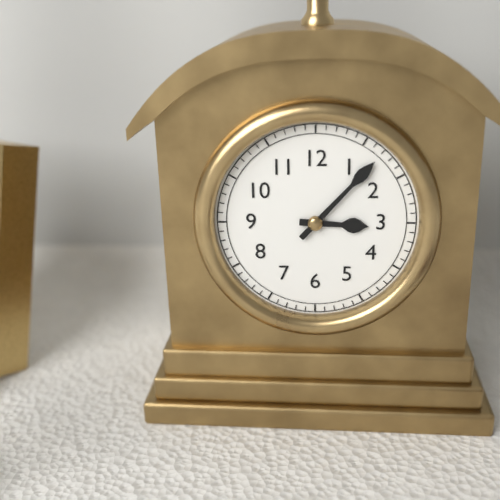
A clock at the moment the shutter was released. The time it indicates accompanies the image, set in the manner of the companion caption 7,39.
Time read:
3,07
